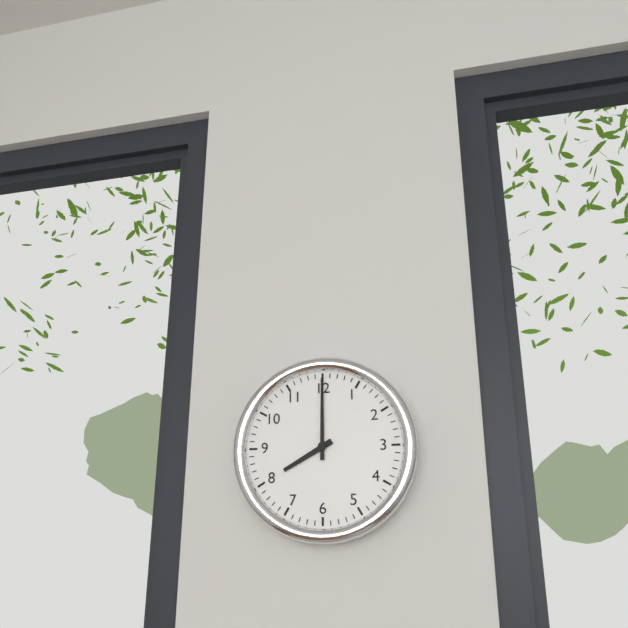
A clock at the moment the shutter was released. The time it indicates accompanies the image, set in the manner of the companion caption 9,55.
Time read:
8,00
